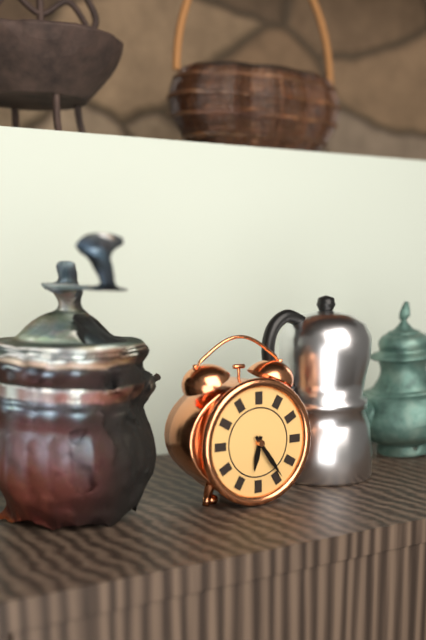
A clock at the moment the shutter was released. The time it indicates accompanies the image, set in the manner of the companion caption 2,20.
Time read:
6,24
